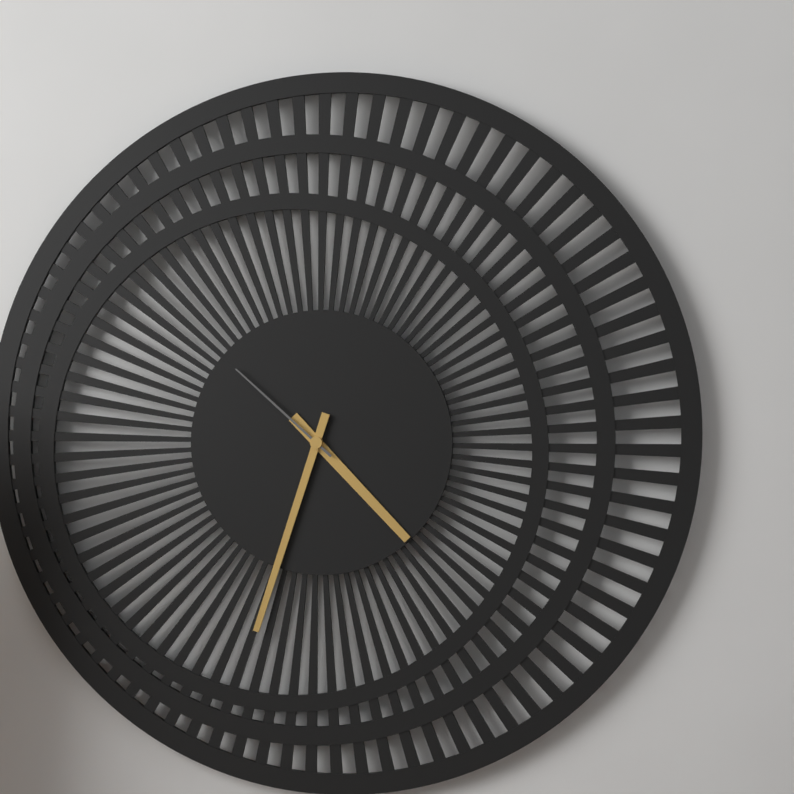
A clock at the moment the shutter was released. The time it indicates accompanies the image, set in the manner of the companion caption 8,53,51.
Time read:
4,33,52
